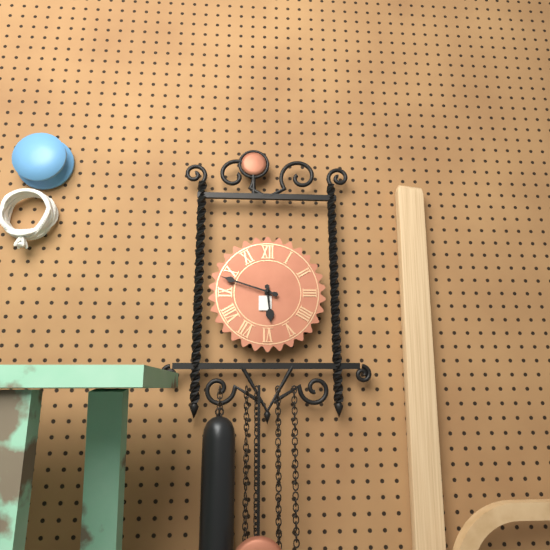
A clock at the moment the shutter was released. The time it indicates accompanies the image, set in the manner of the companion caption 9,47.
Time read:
5,48
